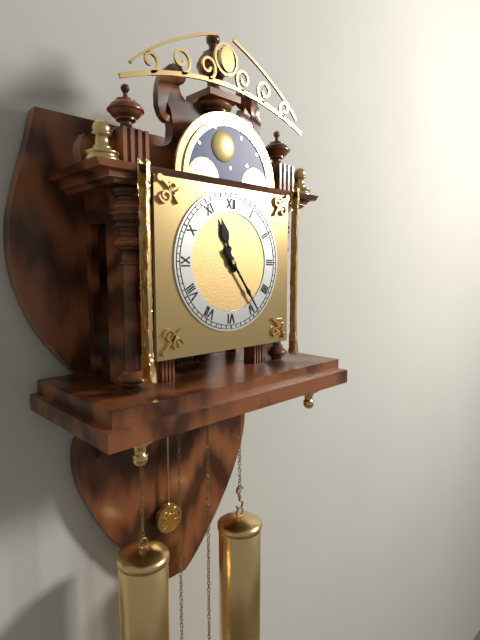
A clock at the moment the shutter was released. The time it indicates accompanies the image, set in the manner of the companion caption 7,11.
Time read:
11,24
